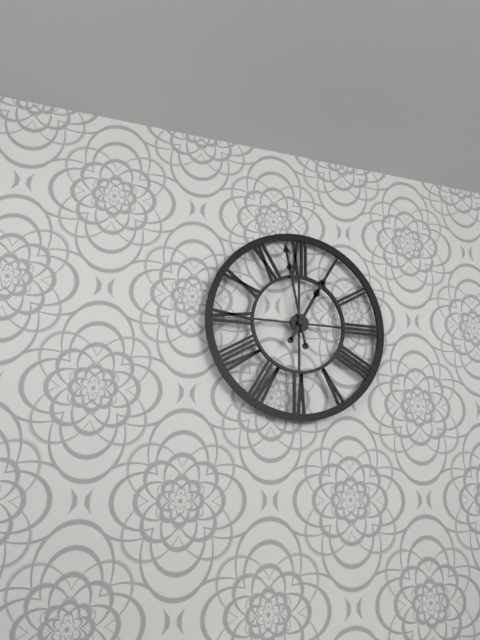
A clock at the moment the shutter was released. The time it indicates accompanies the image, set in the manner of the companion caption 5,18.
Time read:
12,58
